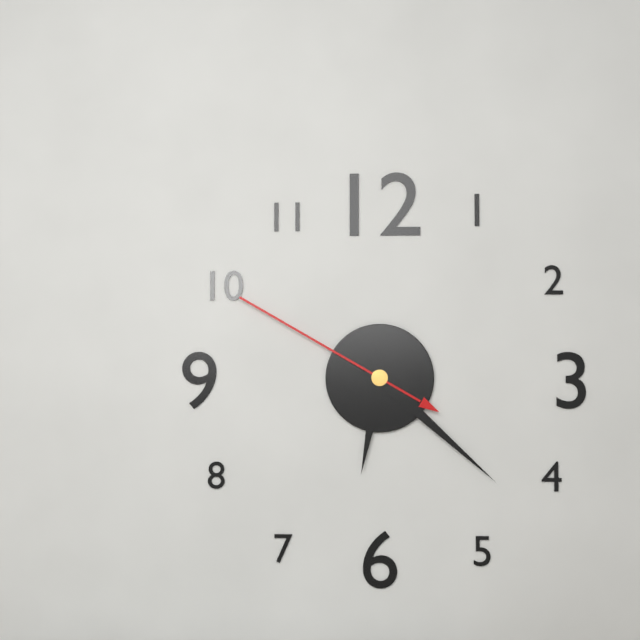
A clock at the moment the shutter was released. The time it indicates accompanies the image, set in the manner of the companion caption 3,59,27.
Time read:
6,22,50
